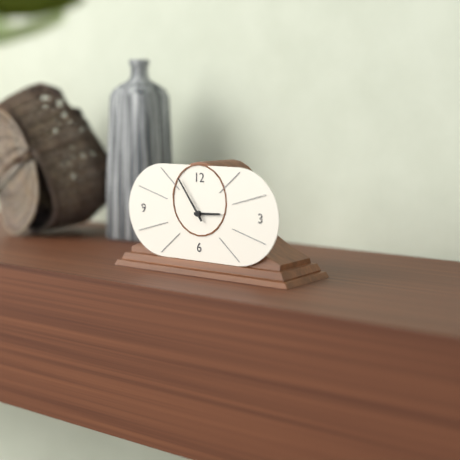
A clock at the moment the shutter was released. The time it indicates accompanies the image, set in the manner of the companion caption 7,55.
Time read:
2,54
